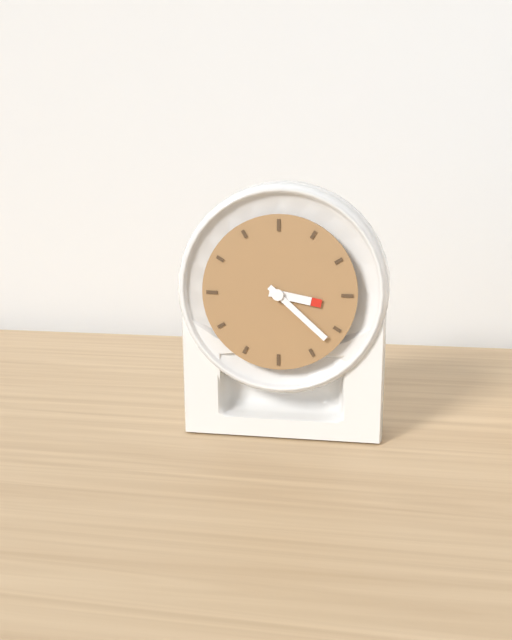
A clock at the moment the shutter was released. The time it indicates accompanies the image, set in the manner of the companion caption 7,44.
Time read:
3,22
